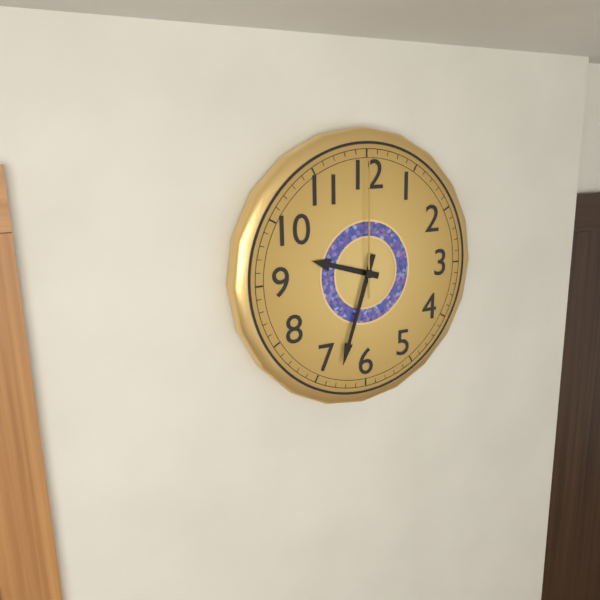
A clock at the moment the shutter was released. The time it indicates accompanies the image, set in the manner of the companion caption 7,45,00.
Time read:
9,33,00
